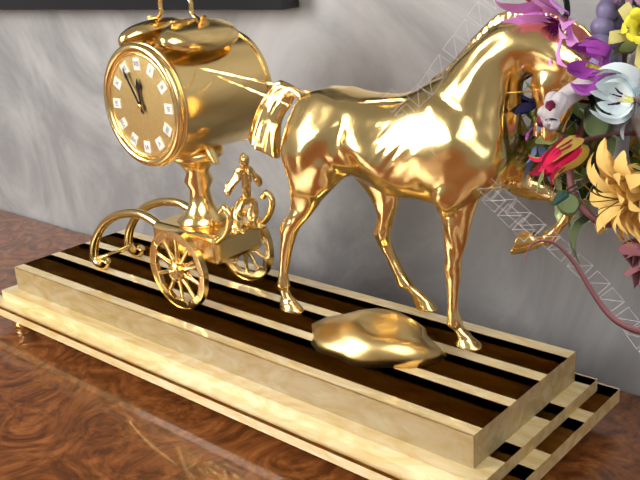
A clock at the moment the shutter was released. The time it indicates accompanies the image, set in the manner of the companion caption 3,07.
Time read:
11,55
